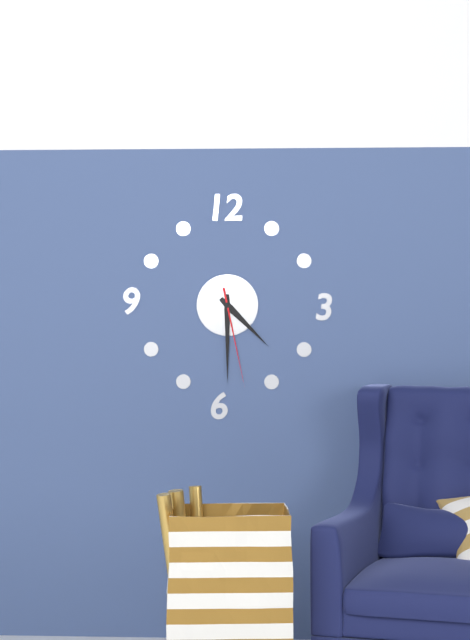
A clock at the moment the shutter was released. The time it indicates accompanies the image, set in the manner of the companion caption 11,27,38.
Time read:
4,30,28
